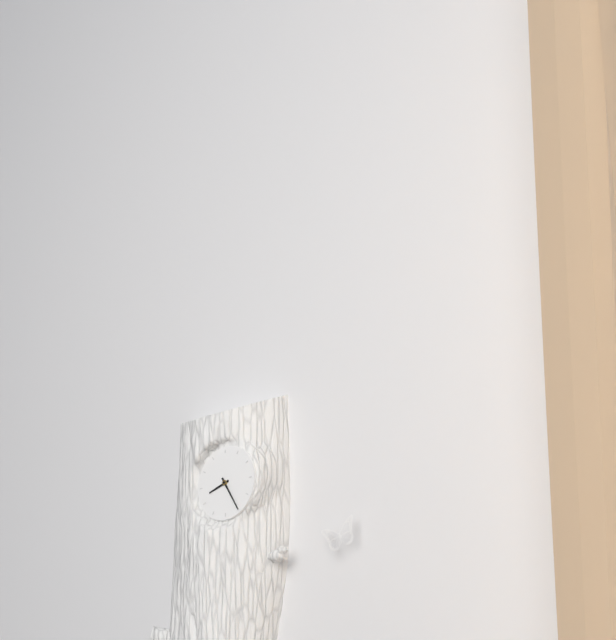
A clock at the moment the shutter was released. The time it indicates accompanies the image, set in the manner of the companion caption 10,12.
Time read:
8,25
